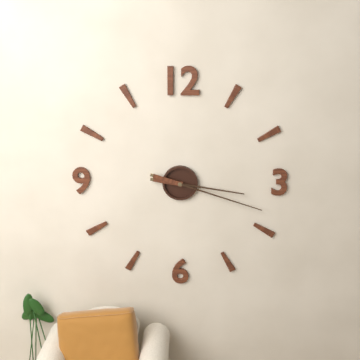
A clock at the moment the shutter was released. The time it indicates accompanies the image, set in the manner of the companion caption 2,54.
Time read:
3,18
